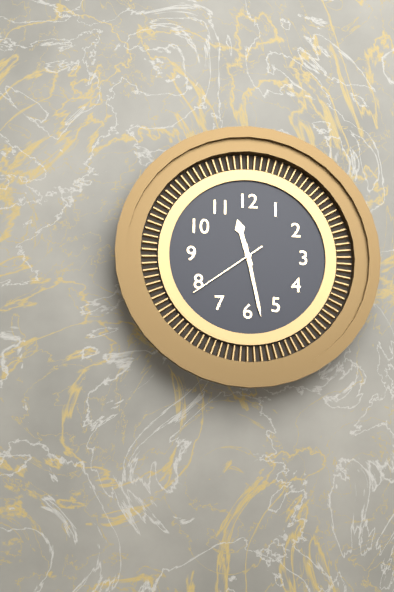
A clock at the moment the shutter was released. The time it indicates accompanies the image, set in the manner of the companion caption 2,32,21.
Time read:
11,28,39
